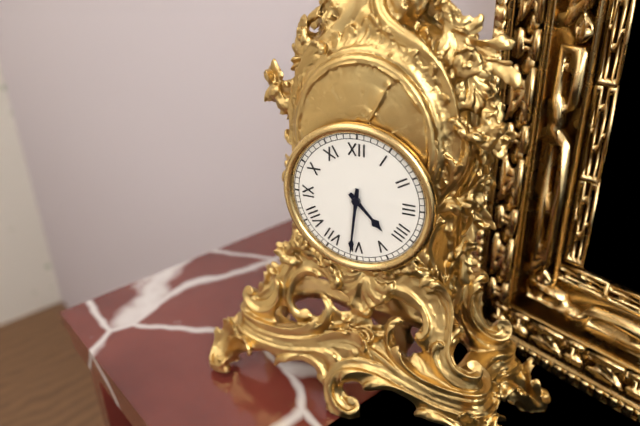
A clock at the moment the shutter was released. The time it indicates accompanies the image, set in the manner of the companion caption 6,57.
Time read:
4,31
